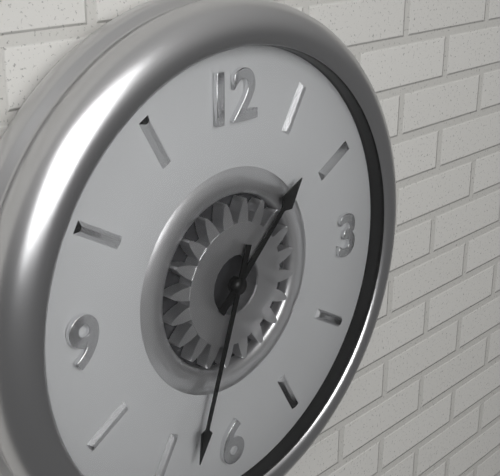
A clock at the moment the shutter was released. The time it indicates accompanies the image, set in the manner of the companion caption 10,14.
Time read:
1,33
